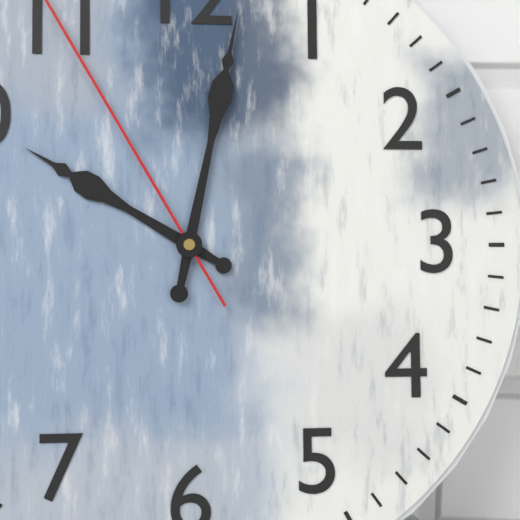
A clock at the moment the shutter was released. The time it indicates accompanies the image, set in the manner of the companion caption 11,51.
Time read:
10,02
